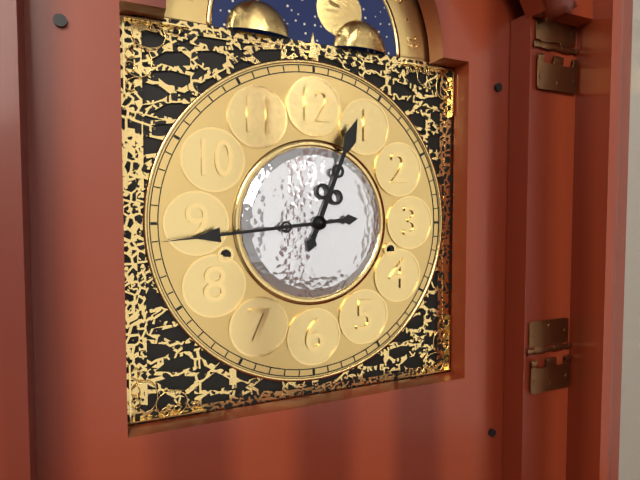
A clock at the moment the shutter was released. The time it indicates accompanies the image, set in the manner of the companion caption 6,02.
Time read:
12,44
